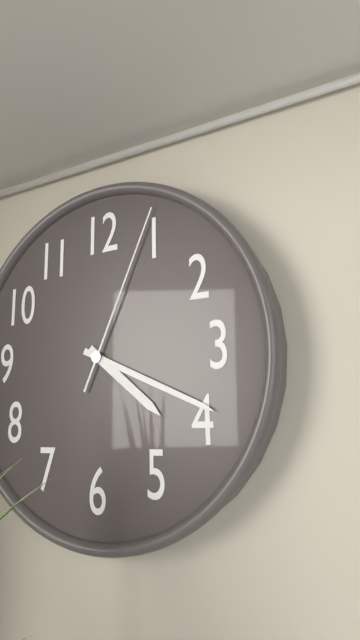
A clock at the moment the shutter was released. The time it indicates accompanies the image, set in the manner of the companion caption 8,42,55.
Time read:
4,19,04
